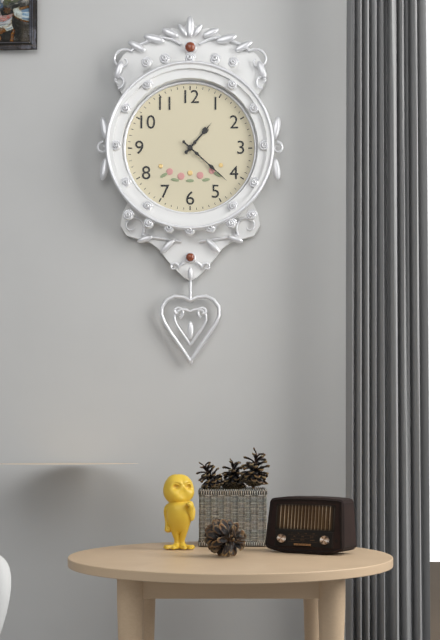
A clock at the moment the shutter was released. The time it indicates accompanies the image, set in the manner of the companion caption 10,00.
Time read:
1,22
